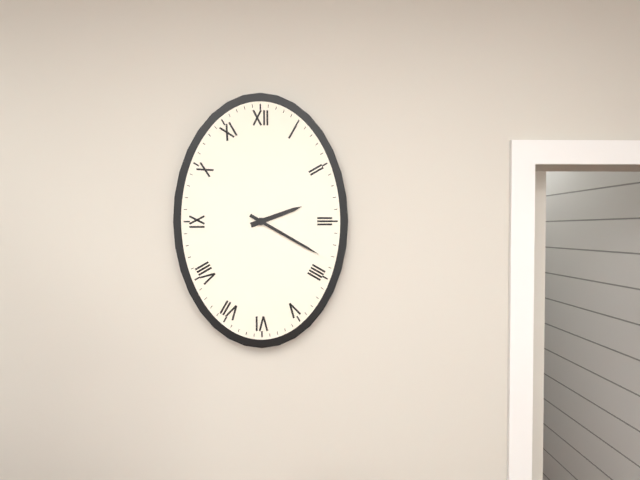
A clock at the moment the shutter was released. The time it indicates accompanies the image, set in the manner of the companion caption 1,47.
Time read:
2,20
